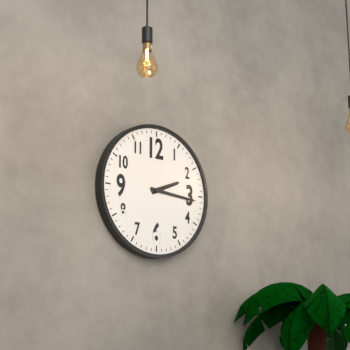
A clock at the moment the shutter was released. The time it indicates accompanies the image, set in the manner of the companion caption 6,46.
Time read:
2,16
